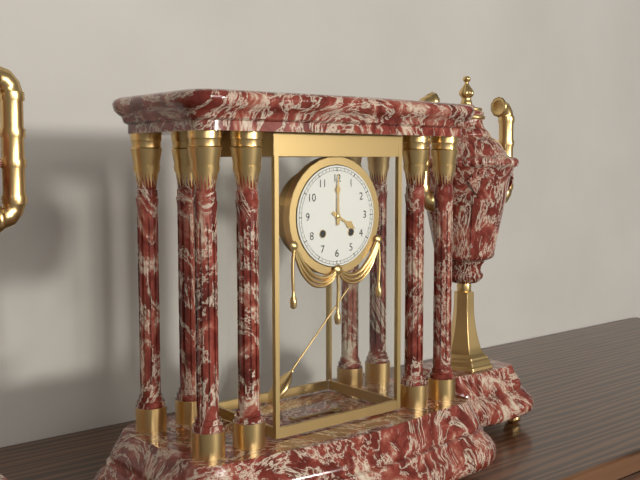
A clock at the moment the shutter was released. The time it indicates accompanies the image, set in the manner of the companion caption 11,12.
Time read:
4,00
